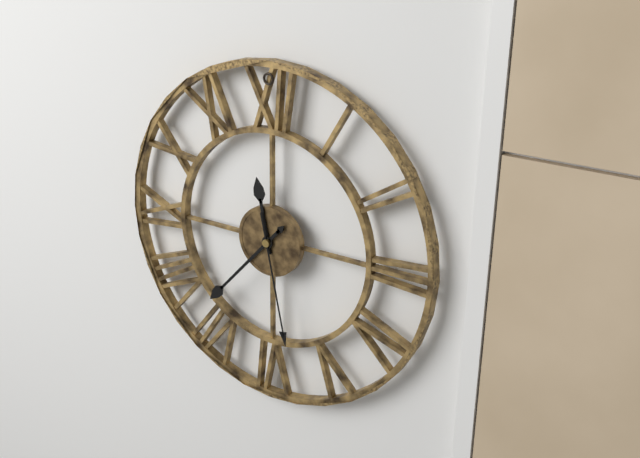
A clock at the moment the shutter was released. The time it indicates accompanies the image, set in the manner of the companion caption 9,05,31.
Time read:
11,37,28
